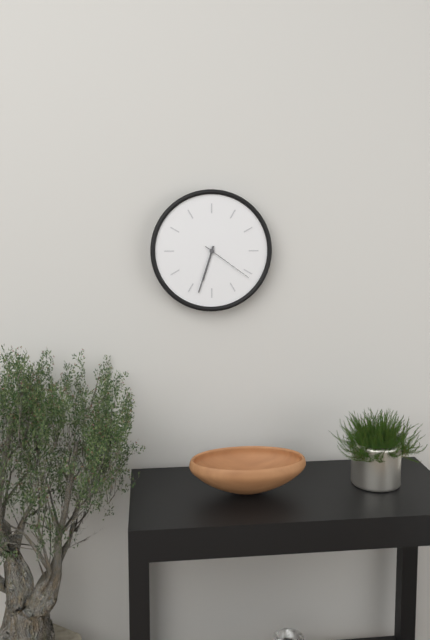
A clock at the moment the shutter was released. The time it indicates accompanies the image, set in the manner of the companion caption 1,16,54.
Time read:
6,33,21
